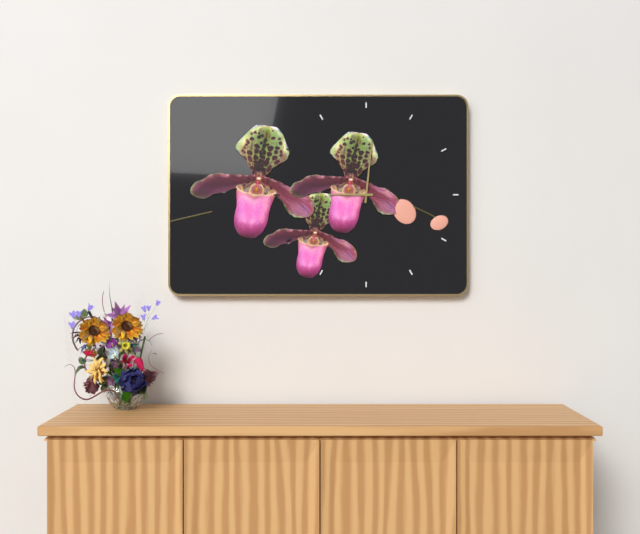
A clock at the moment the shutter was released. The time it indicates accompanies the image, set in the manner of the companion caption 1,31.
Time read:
9,01
